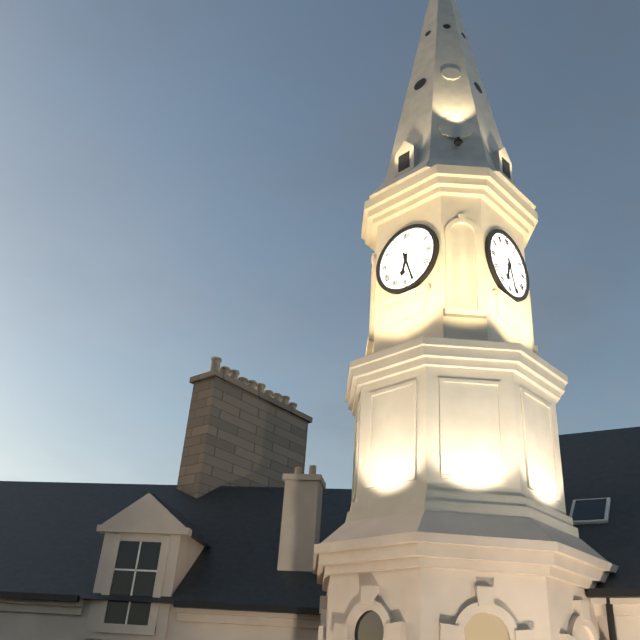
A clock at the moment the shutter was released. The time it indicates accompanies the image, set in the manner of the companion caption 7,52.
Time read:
6,27
